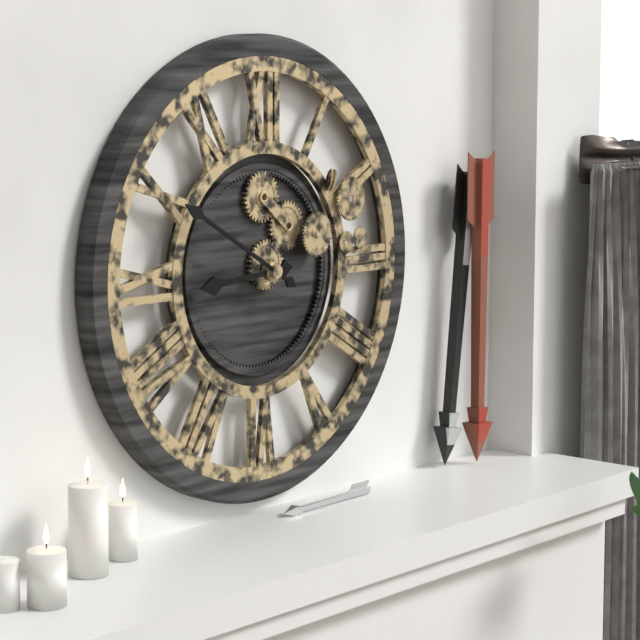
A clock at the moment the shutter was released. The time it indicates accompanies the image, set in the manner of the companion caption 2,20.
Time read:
8,50
